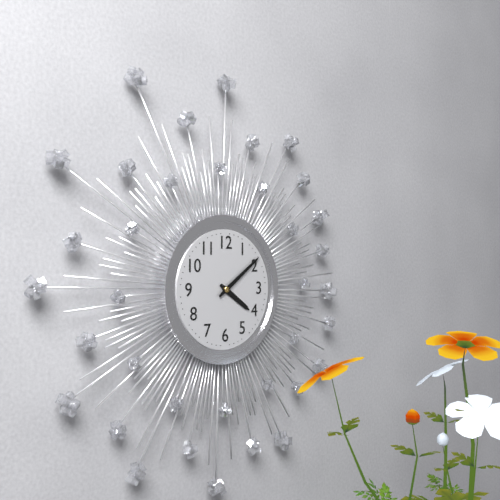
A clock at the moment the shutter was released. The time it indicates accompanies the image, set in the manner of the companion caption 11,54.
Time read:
4,09
